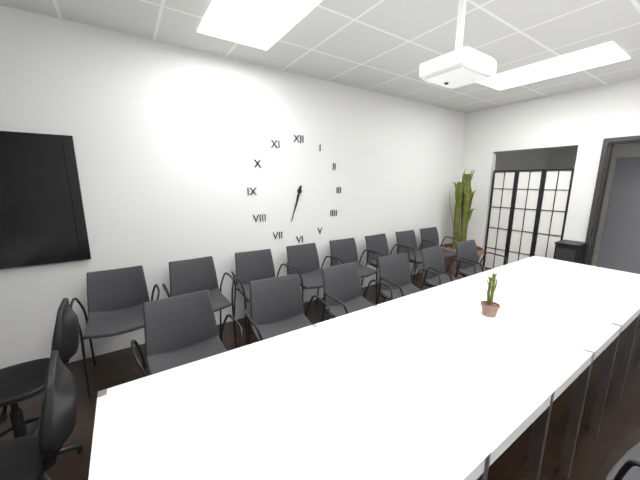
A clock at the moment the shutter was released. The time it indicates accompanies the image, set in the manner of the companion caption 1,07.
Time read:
6,33
